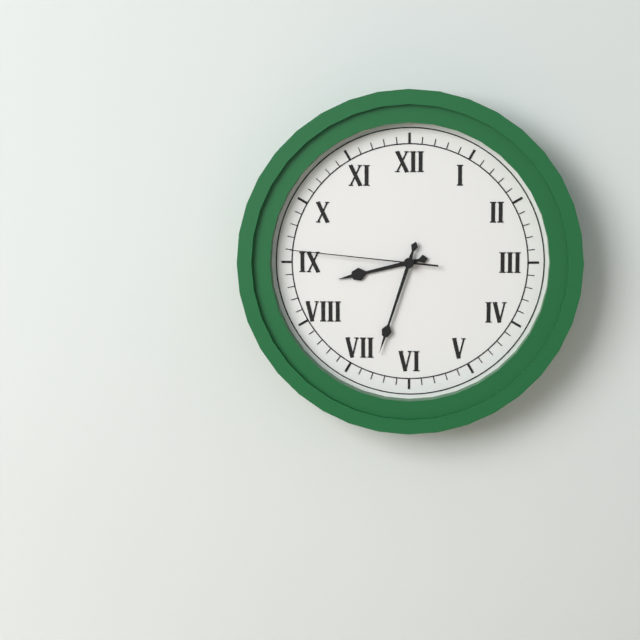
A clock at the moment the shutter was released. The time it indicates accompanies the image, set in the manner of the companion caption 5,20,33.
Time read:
8,33,46
